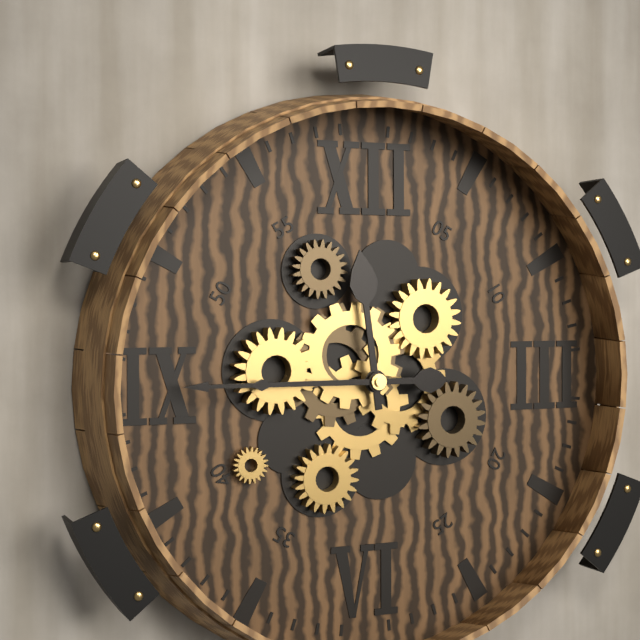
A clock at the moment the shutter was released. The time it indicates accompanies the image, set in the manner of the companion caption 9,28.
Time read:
11,45
